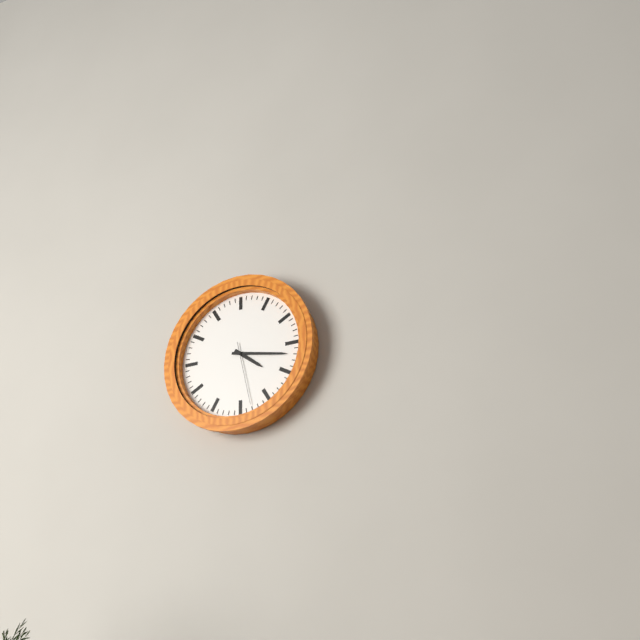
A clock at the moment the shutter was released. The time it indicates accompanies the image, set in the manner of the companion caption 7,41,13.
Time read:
4,17,28
